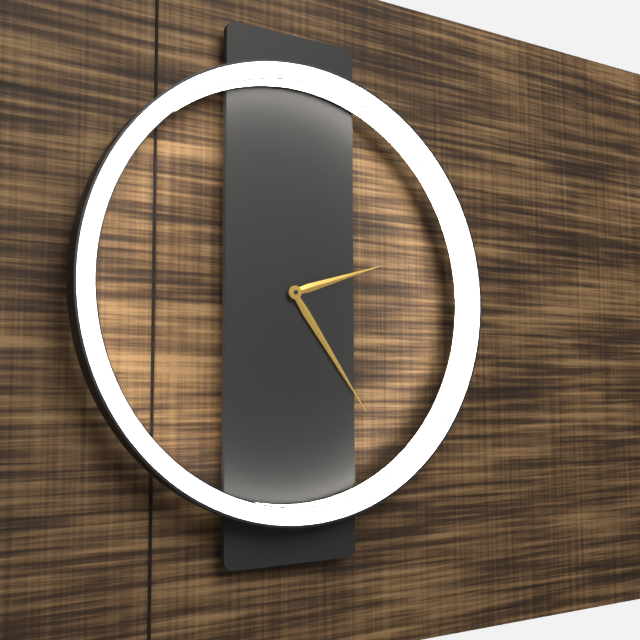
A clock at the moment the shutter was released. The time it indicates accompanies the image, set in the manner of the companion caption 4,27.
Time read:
2,24
